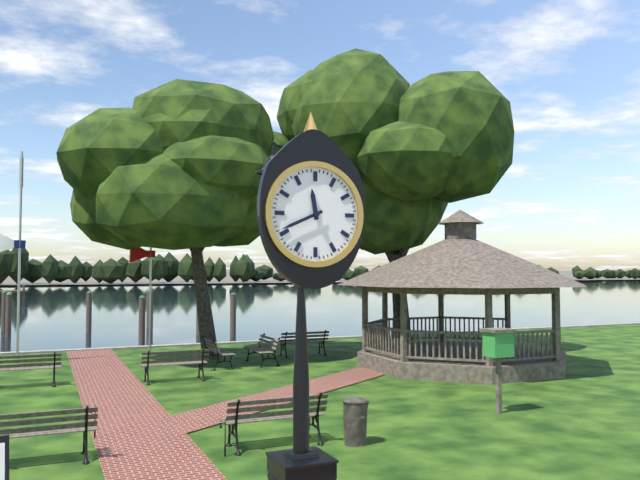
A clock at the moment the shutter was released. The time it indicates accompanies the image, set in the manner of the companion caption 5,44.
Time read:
11,41
